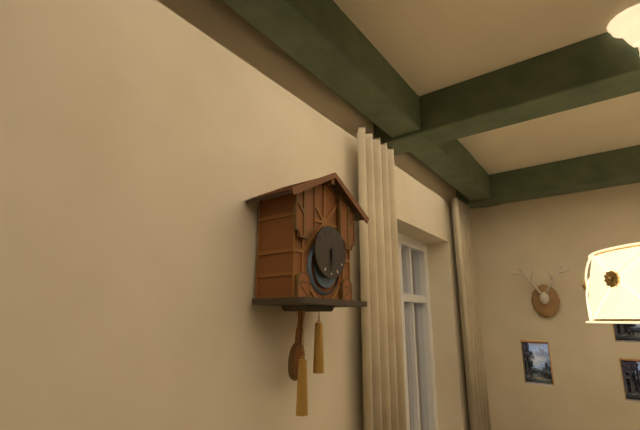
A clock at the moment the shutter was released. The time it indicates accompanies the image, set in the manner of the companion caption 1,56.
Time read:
5,31
